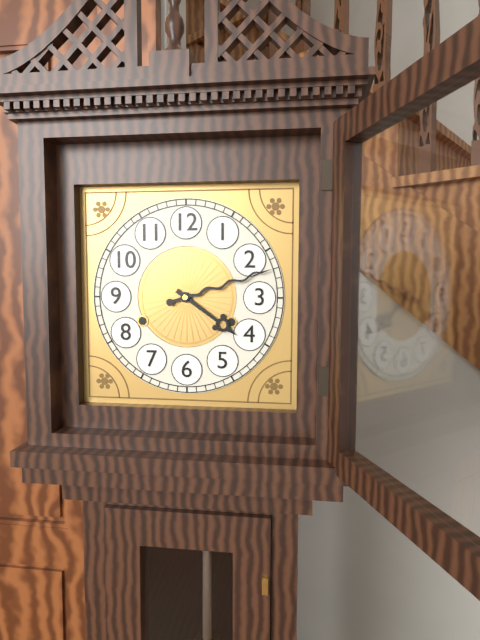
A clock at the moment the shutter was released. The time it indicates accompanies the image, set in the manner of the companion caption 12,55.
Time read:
4,12
